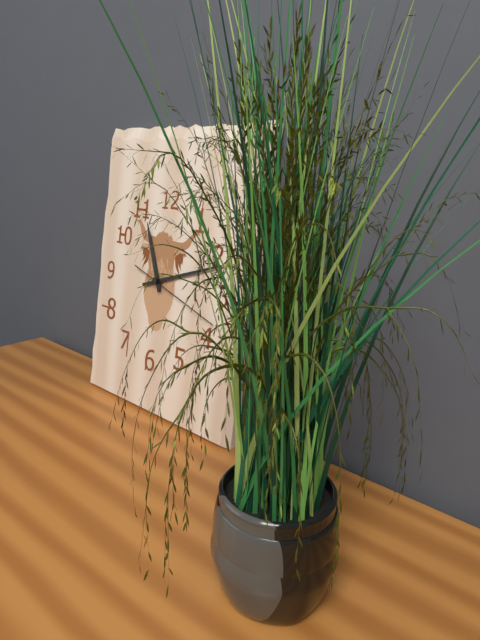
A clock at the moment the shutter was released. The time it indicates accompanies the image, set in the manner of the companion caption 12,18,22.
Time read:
11,12,18
